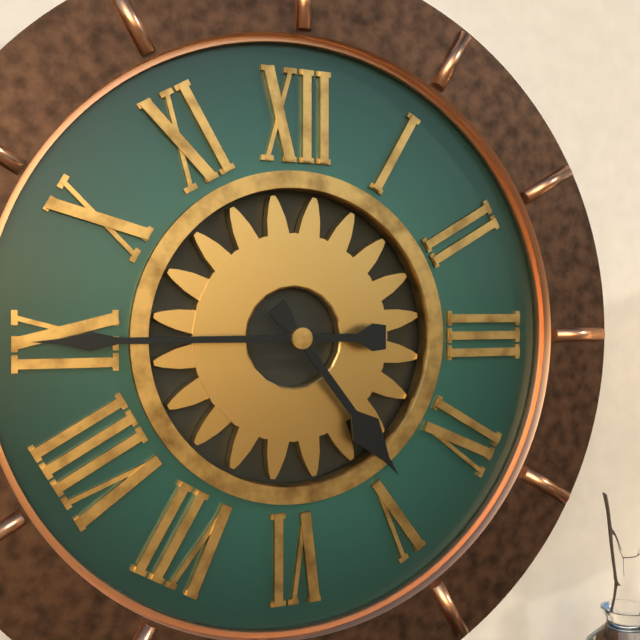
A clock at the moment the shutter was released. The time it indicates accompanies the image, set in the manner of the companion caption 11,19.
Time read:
4,45
